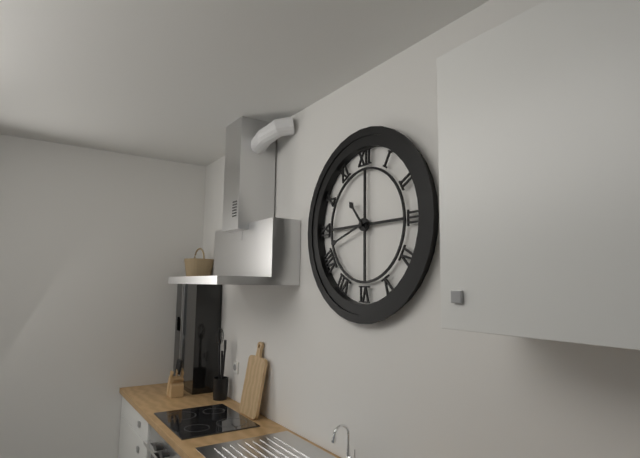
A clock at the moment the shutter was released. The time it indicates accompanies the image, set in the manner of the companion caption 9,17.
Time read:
10,42
